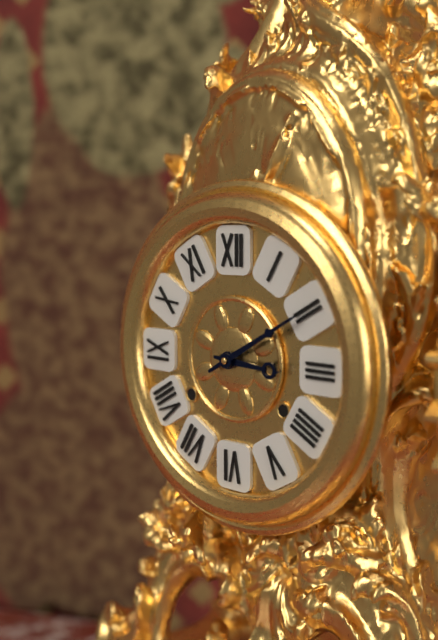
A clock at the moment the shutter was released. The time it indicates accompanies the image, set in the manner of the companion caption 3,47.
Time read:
3,10
